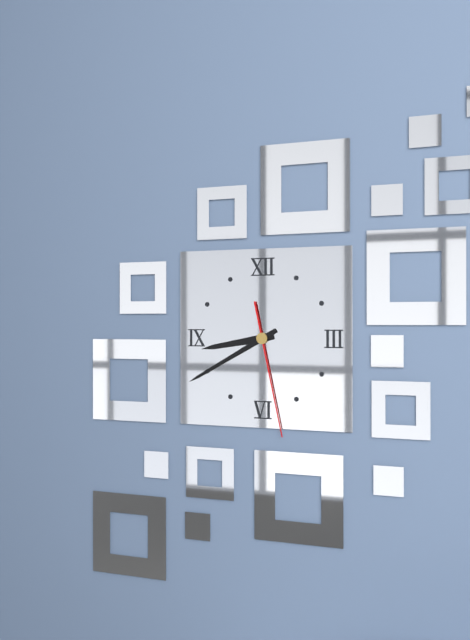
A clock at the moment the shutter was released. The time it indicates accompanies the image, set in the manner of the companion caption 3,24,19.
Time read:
8,40,28
